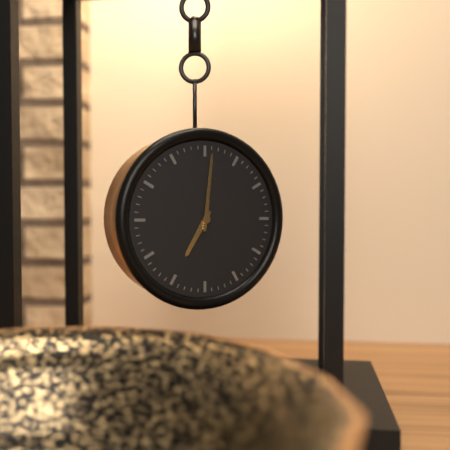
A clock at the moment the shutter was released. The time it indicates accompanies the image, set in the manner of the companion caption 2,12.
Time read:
7,01
